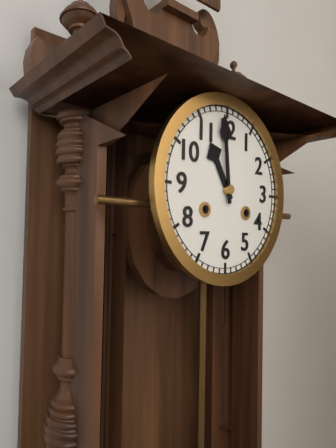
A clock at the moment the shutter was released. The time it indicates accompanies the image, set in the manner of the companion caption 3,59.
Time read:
10,59
